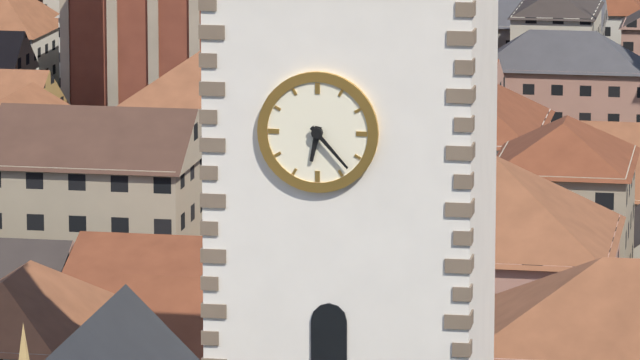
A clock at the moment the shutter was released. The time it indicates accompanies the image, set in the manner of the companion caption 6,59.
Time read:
6,23
